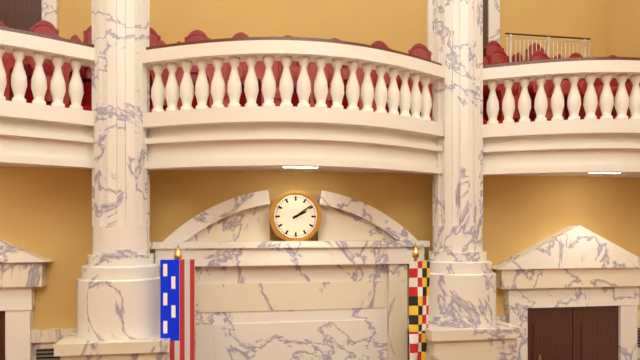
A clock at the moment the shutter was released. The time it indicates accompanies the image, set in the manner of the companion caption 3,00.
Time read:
2,09
